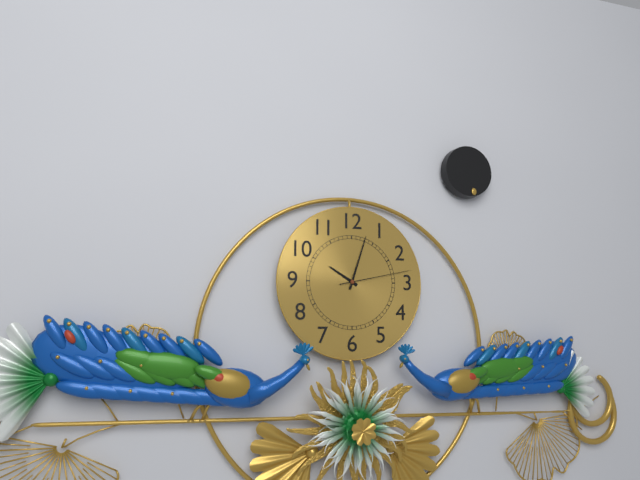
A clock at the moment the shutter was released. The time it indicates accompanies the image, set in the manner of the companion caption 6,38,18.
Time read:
10,03,13
